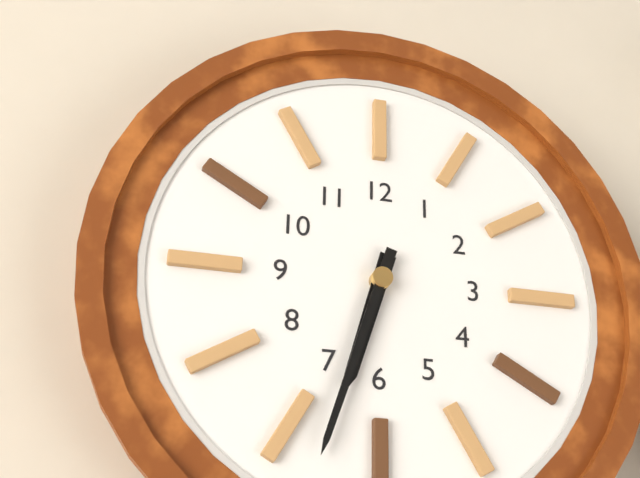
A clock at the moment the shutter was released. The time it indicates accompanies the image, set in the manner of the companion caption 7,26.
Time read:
6,33
